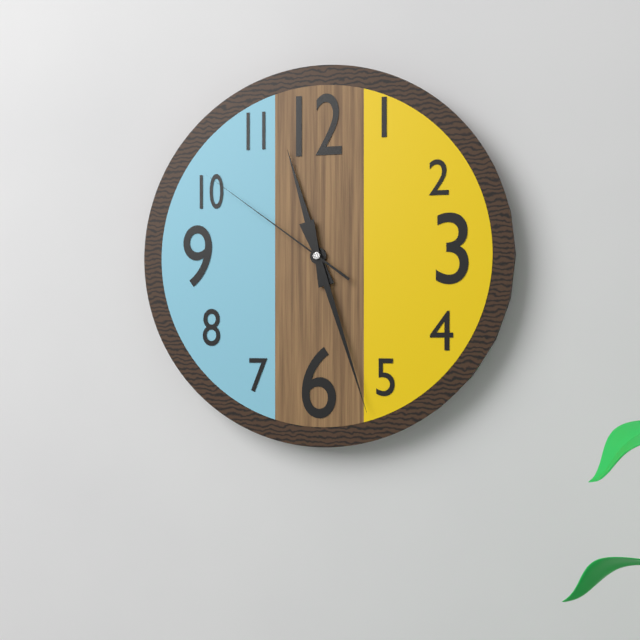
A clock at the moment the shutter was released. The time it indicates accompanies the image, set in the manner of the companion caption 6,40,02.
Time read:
11,27,51
